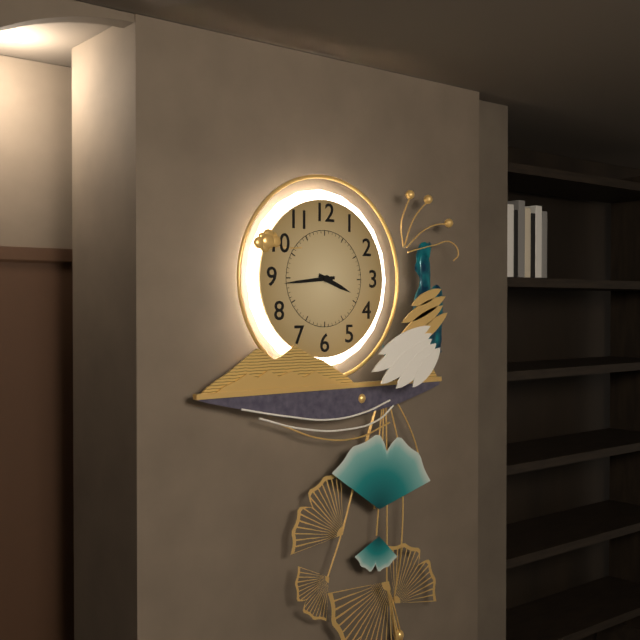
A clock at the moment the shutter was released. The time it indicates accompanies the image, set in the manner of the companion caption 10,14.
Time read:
3,44
